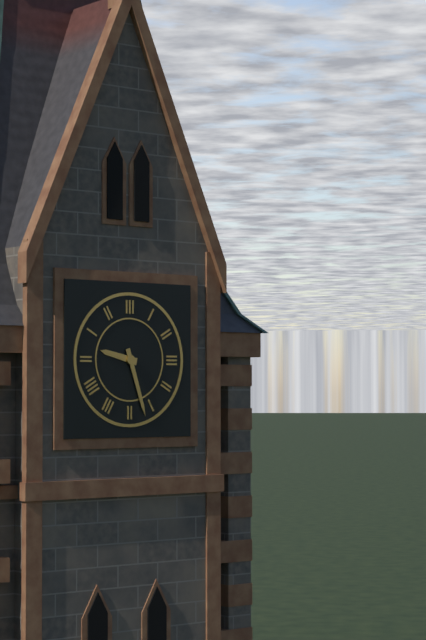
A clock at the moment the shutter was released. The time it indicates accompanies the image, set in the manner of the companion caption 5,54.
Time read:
9,27
